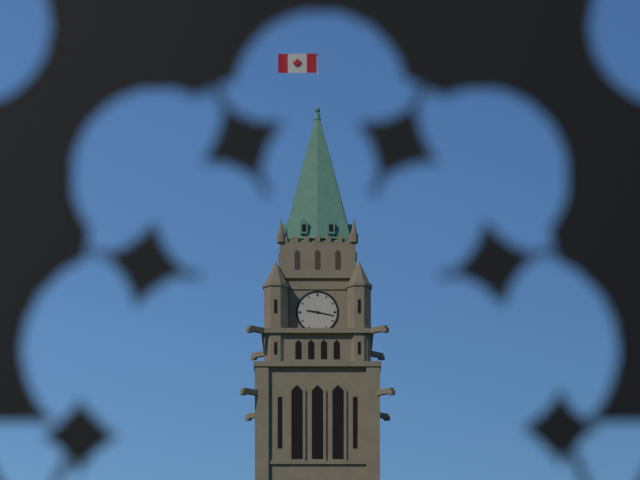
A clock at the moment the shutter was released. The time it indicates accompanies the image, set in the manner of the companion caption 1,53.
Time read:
9,17
